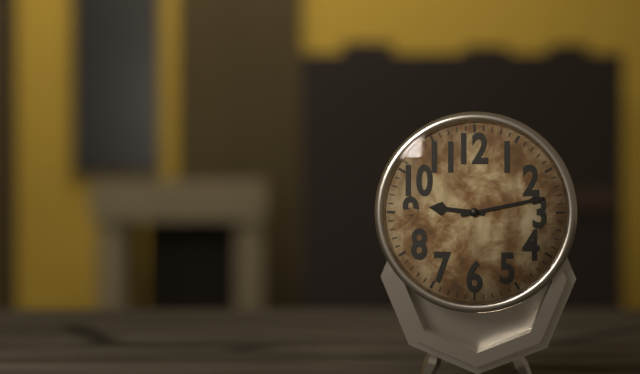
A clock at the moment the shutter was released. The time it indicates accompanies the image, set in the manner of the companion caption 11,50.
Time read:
9,13
